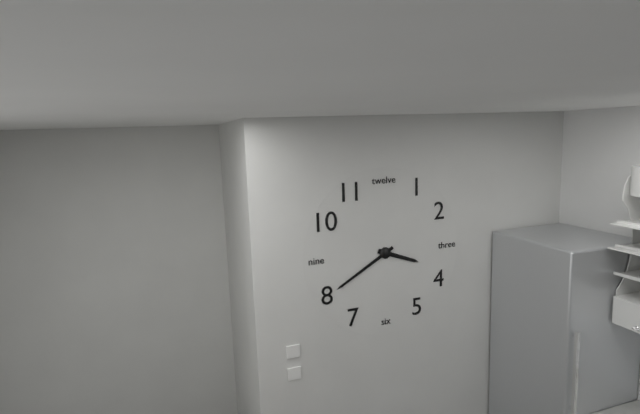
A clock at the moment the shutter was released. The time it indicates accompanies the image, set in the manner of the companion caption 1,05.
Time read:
3,40
